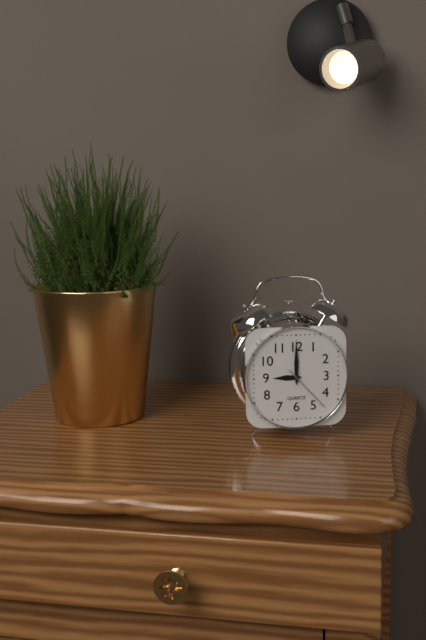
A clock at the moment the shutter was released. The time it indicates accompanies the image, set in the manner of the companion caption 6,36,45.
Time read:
9,00,23
